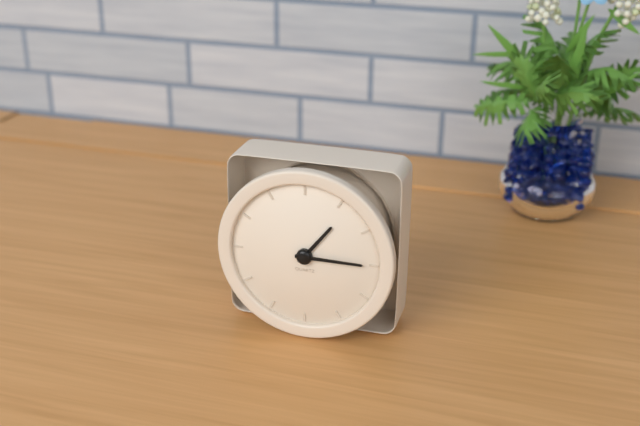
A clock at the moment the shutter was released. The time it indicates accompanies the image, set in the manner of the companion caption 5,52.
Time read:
1,15
